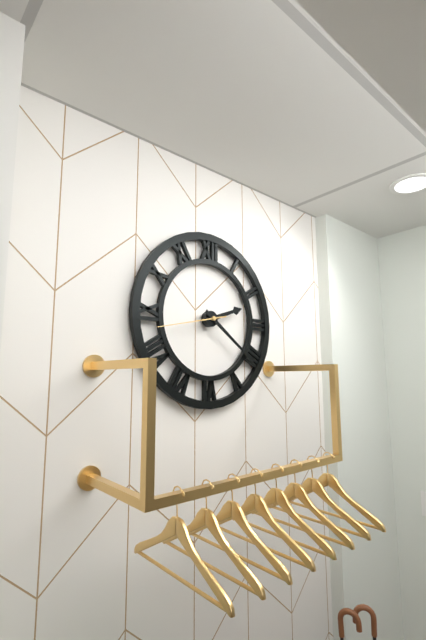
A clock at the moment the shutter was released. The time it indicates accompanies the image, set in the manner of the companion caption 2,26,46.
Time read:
2,21,43
